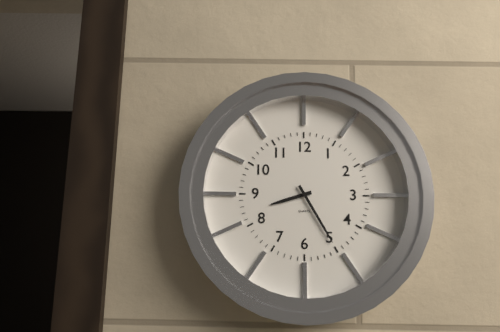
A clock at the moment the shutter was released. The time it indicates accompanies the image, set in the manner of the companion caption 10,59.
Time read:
8,25
